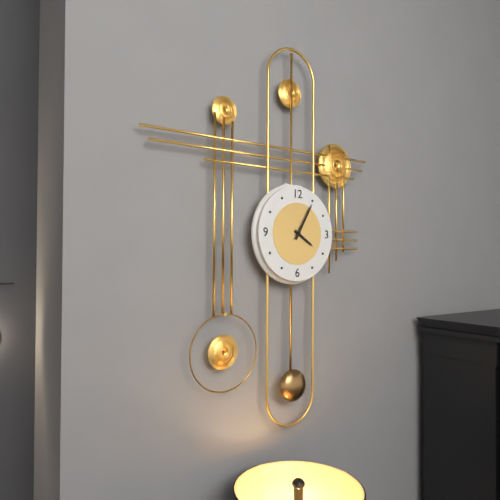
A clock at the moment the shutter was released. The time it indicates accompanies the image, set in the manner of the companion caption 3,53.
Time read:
4,05
